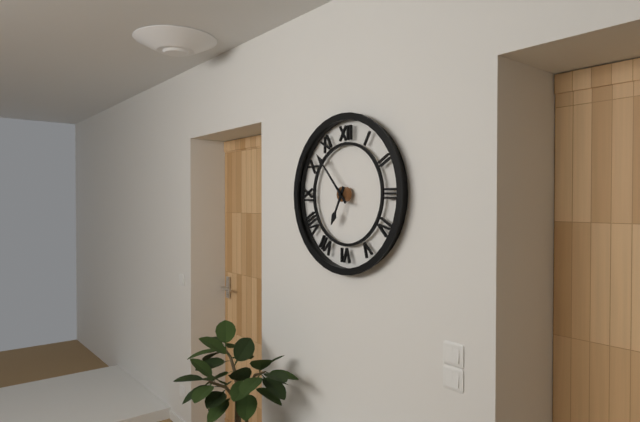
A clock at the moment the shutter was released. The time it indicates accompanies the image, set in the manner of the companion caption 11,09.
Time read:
6,53
